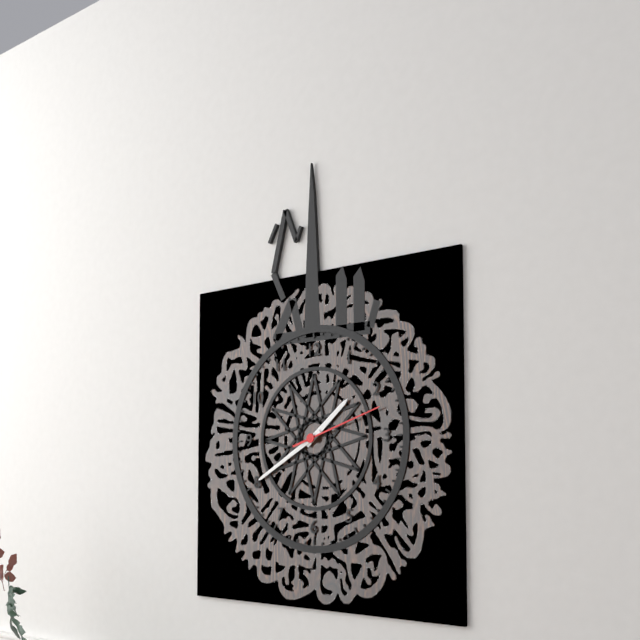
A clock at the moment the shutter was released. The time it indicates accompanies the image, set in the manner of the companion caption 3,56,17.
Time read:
1,40,12
